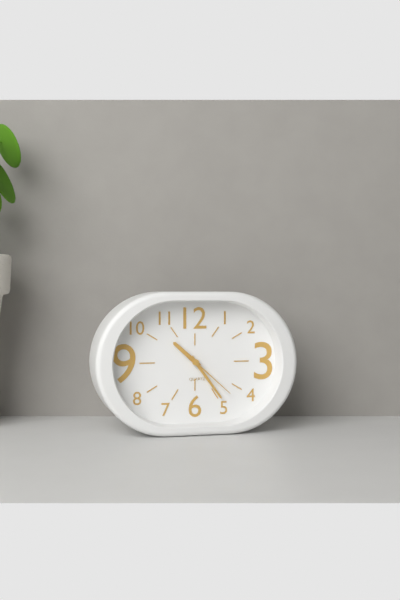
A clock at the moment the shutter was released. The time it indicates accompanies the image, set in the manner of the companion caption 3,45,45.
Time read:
10,24,22
